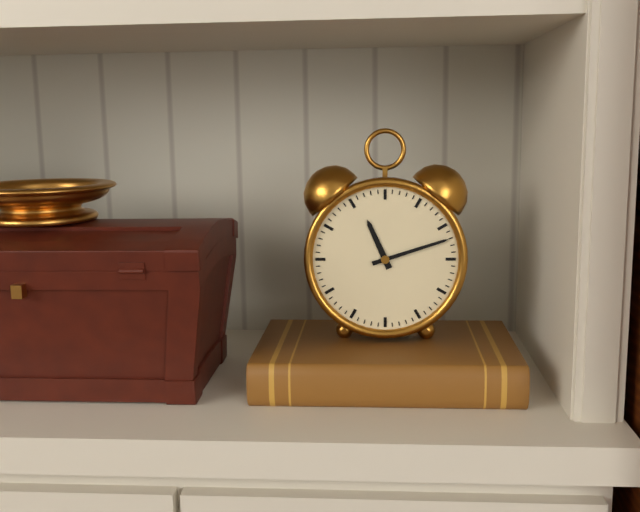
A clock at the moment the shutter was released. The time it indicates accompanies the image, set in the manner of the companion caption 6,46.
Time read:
11,12
